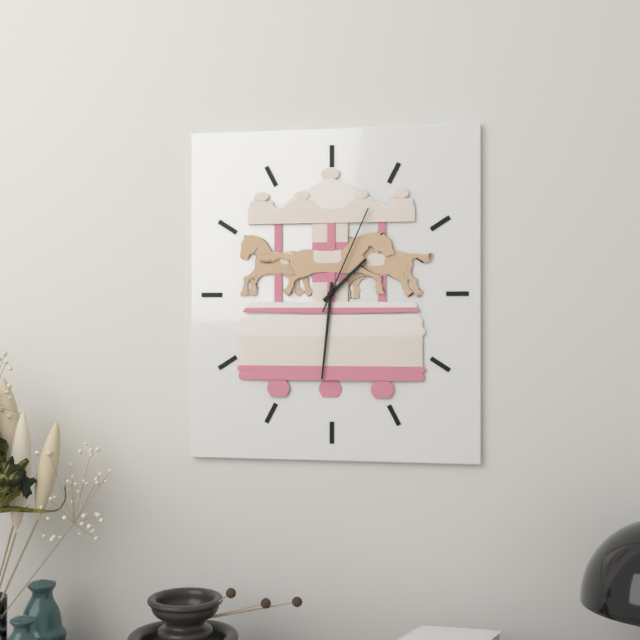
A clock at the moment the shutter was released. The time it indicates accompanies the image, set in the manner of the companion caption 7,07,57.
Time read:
1,31,04
